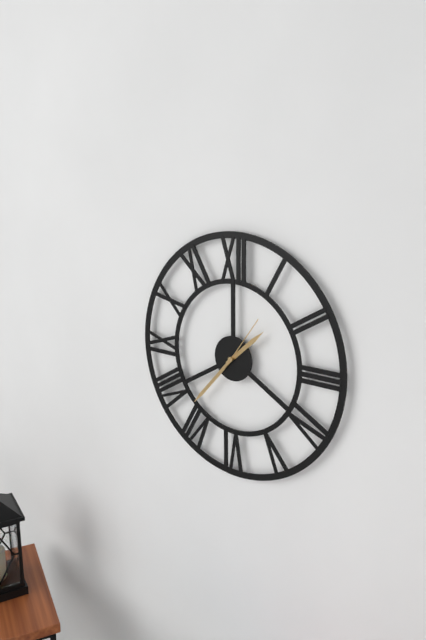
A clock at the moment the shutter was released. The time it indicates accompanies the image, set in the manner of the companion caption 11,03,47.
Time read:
1,37,06
